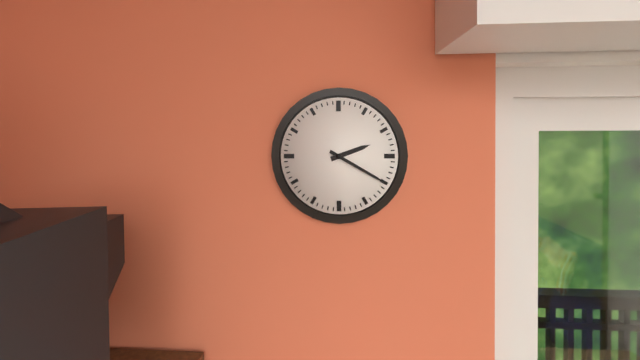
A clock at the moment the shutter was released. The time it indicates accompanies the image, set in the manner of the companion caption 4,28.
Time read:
2,20
